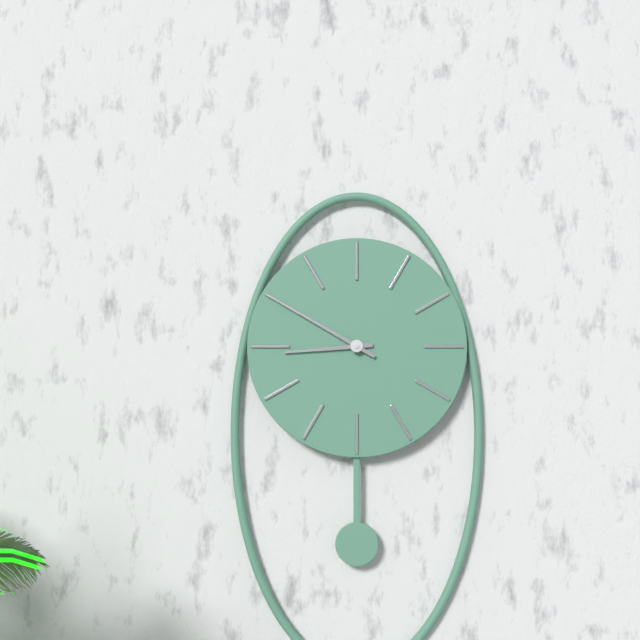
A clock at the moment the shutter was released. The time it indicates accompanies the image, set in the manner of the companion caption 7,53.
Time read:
8,50
